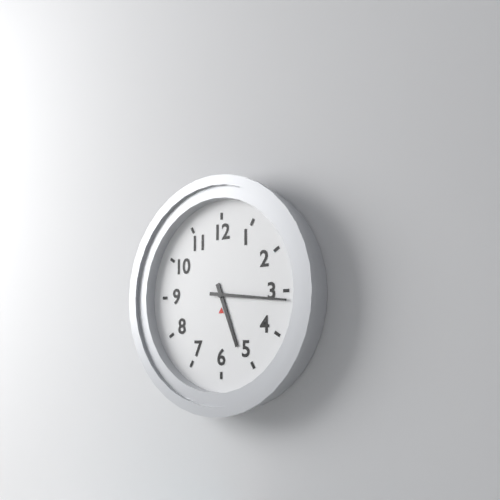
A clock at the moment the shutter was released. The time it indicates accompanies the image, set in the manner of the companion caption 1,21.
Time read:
5,16
